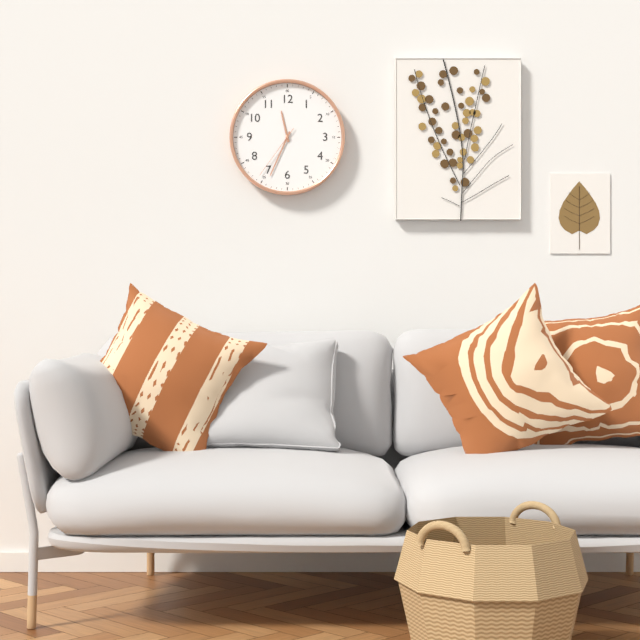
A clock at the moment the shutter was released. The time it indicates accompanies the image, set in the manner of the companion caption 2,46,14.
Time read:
11,34,36
